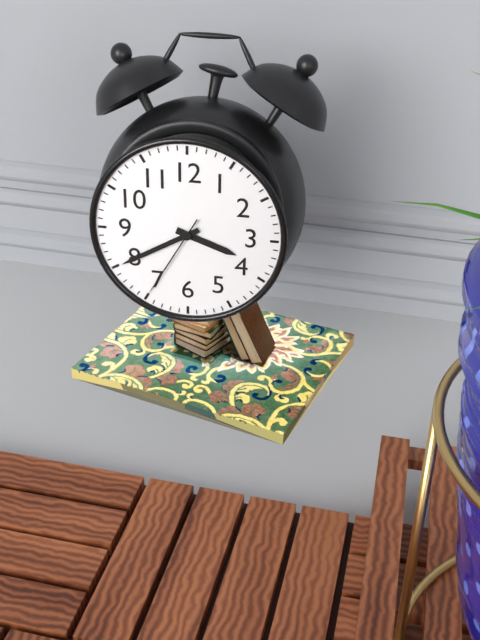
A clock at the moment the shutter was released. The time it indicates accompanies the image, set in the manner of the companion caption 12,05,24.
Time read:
3,40,35
